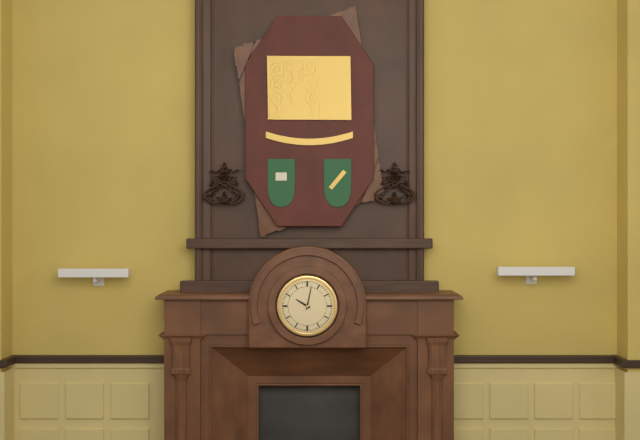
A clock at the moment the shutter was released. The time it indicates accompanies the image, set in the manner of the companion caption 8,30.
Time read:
10,02
